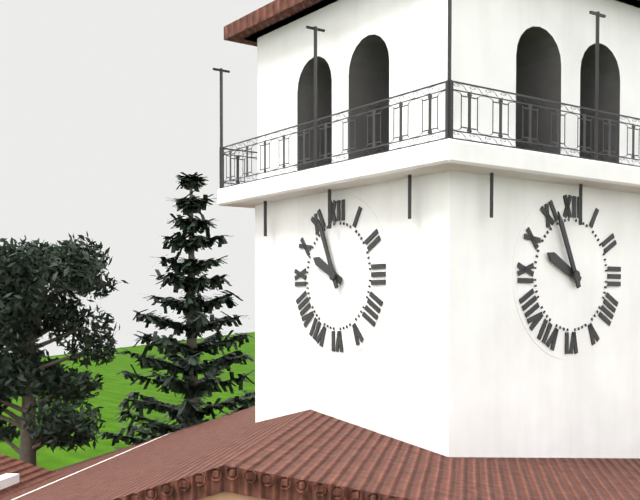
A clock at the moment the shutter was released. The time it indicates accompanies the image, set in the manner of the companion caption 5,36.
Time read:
9,56
